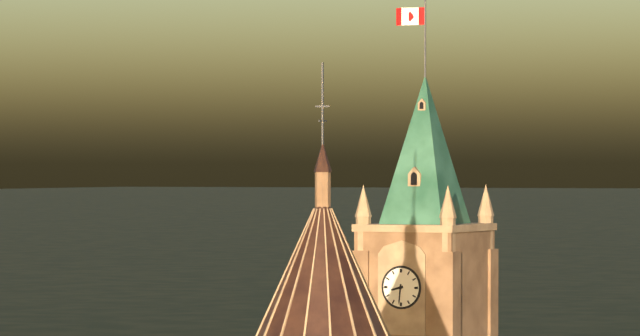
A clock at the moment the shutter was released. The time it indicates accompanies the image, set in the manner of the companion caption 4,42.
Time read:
8,31
